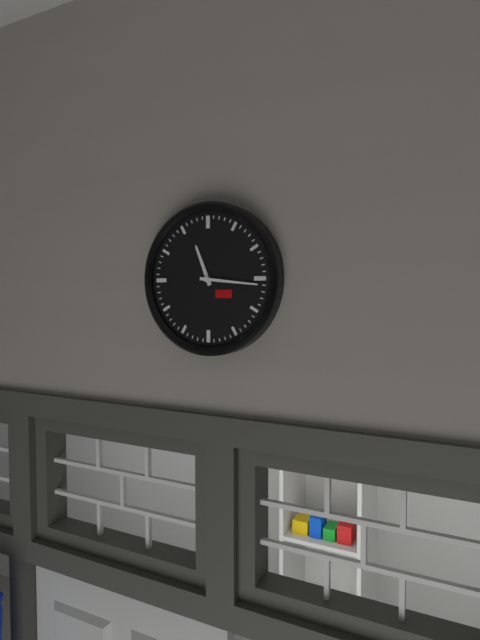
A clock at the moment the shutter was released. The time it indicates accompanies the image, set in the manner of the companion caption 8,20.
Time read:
11,16
